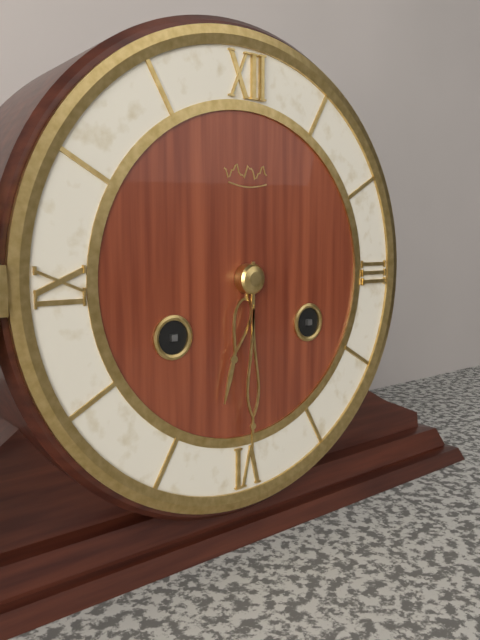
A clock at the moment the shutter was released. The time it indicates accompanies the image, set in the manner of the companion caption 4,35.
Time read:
6,30
